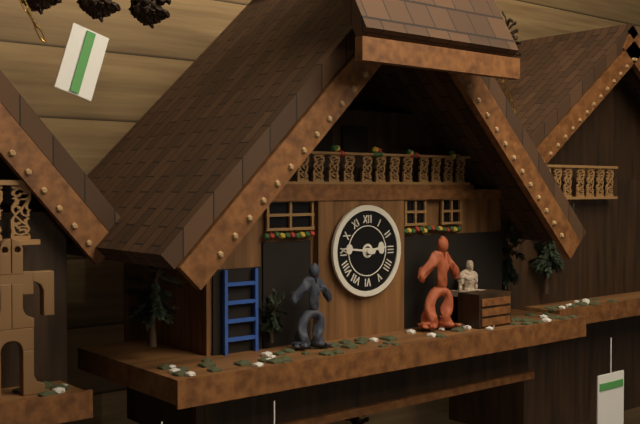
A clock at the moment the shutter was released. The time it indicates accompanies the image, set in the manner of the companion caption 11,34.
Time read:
2,46
